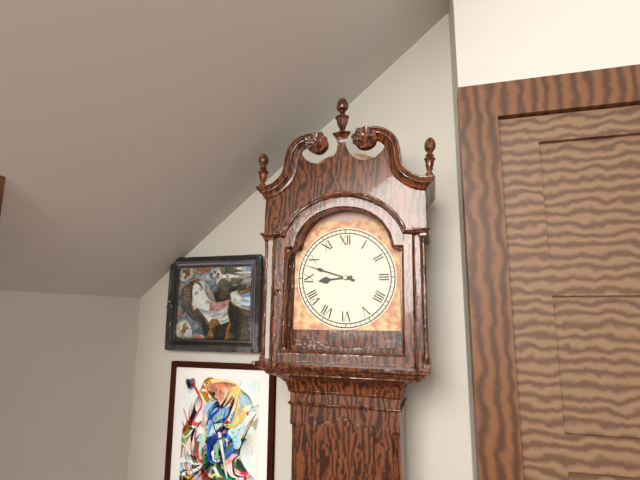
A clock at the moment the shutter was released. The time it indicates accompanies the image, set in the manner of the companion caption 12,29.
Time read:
8,48
